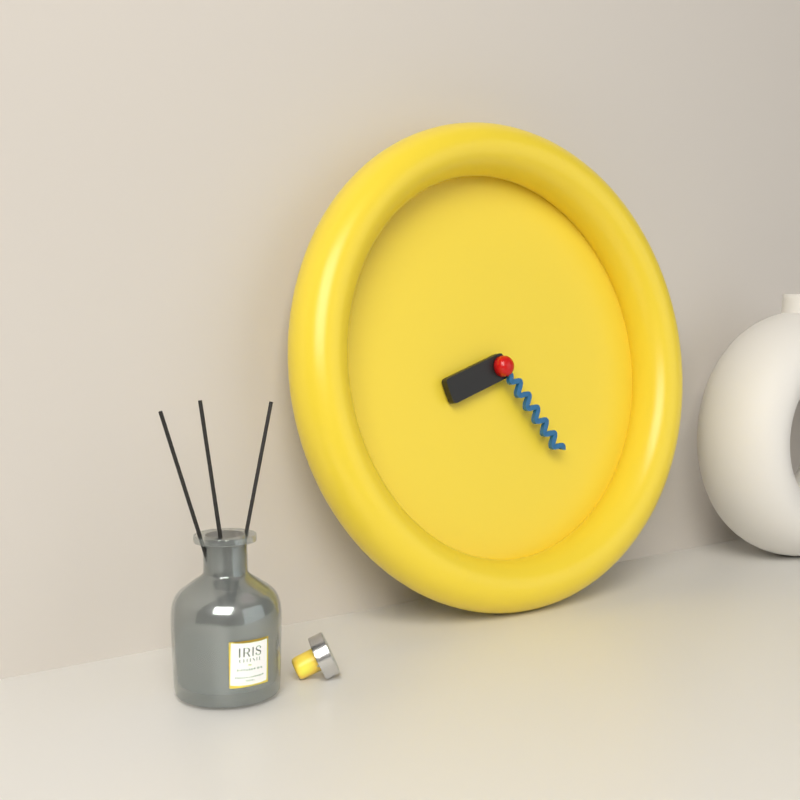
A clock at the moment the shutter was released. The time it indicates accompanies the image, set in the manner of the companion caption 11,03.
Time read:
8,24
